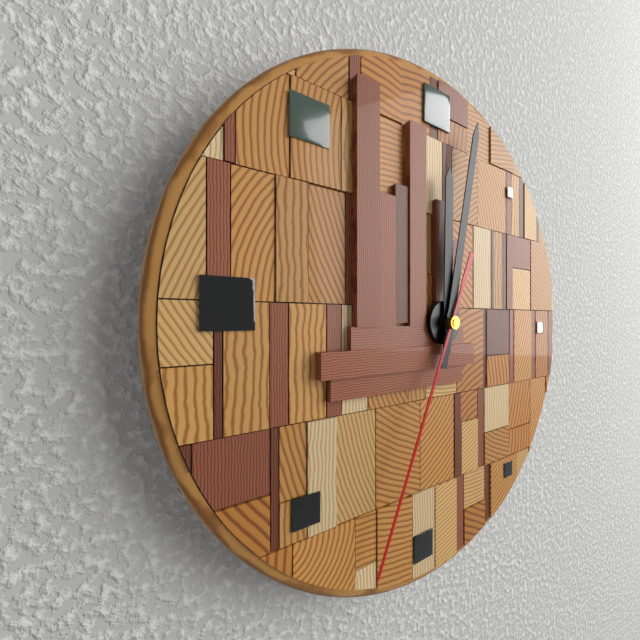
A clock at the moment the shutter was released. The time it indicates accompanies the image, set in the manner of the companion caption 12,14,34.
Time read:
12,02,34
